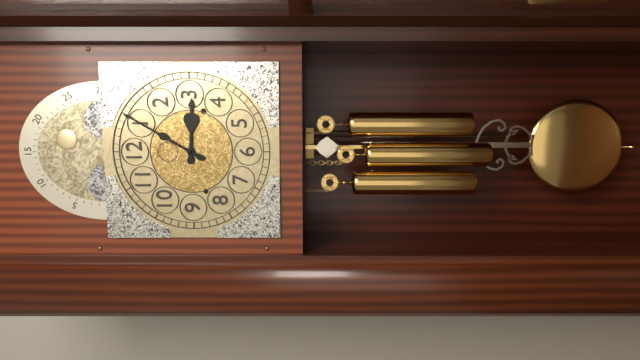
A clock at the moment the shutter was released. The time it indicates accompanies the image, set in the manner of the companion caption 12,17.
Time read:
3,05
